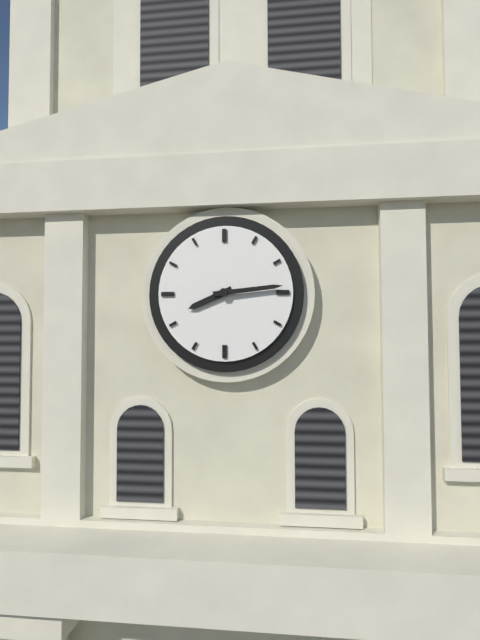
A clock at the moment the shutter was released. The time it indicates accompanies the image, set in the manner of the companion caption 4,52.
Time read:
8,14
